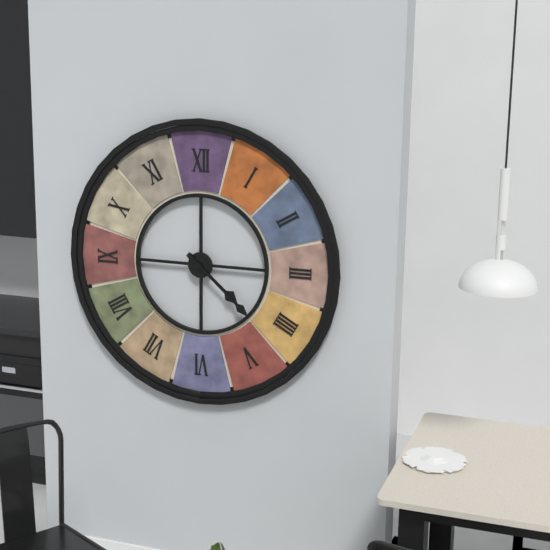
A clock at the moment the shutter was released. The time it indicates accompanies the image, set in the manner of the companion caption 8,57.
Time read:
4,22
